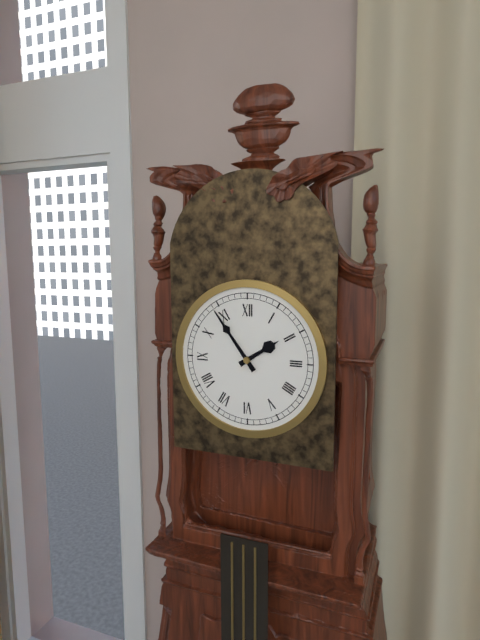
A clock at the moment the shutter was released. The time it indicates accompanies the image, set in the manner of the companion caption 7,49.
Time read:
1,54
